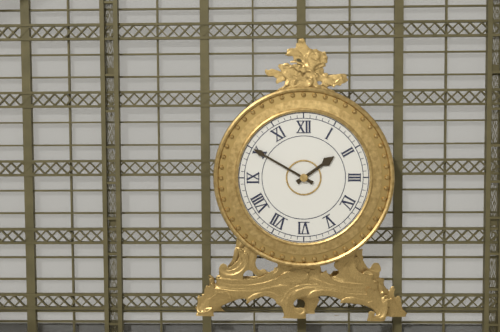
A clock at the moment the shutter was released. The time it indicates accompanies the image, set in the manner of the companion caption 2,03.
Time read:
1,50
